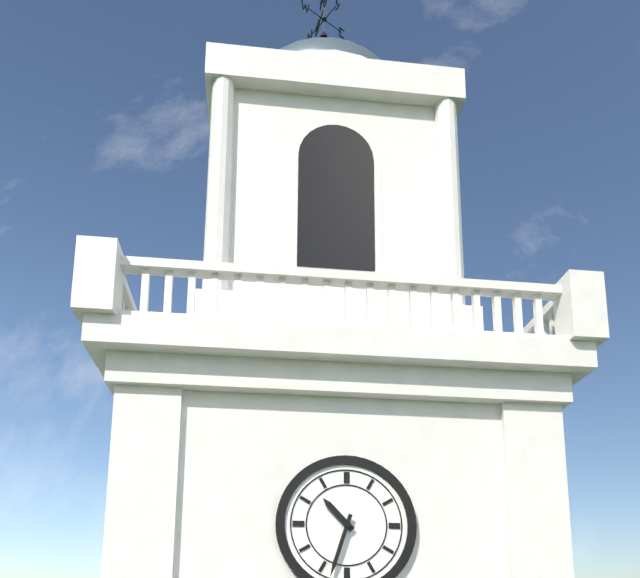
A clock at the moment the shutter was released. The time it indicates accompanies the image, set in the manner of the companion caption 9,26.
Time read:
10,33
